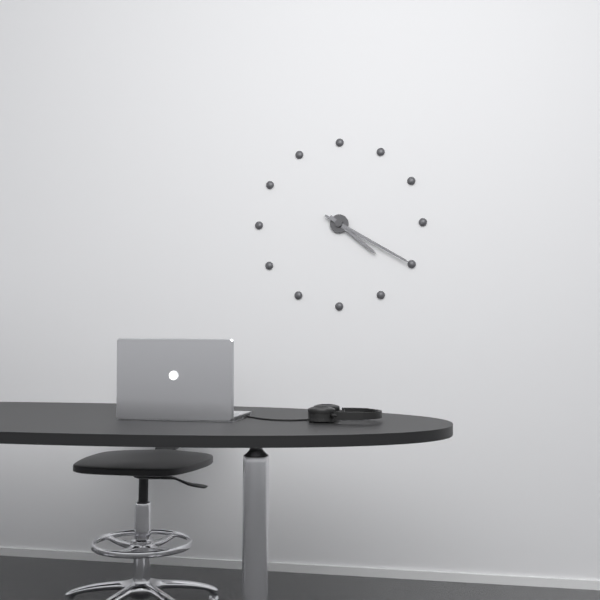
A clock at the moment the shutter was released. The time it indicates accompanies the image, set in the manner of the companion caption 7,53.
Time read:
4,20
